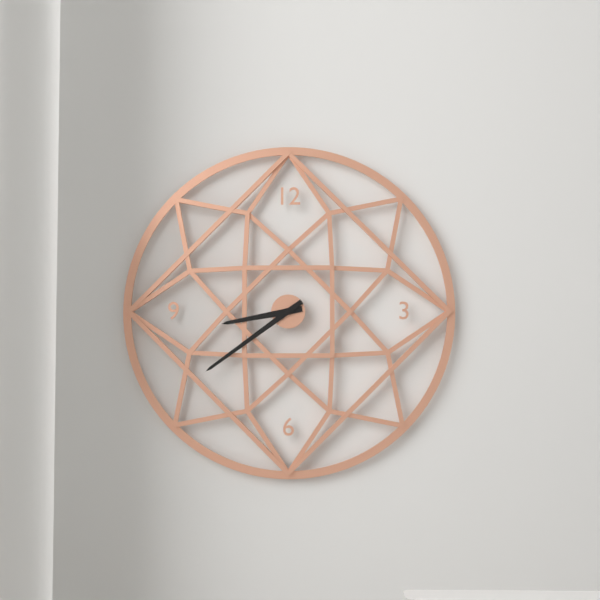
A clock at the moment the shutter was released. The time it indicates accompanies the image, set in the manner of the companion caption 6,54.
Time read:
8,39
